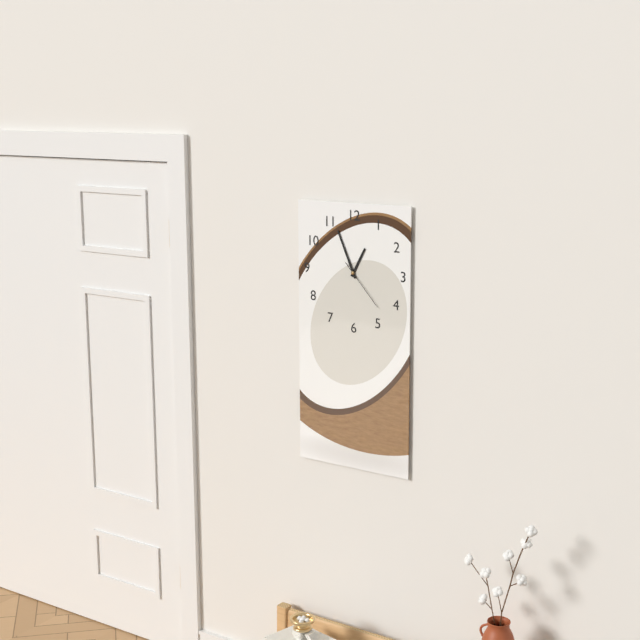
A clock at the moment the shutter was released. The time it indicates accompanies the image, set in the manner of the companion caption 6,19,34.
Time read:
12,56,23
